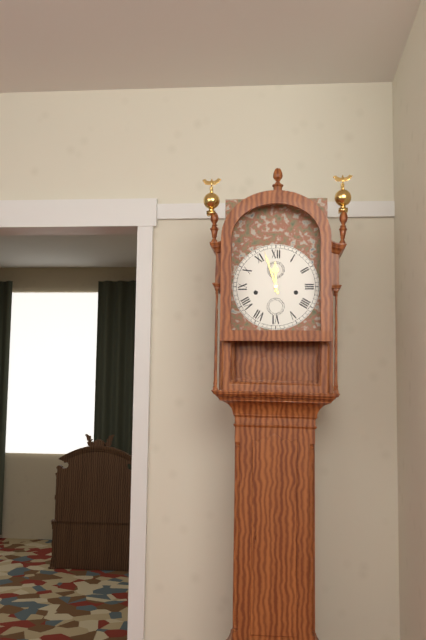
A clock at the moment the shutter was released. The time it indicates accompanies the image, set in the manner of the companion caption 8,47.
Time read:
11,57
